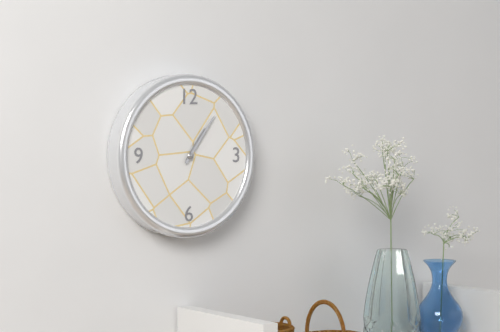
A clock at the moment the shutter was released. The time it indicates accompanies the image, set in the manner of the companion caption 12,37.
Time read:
1,06
